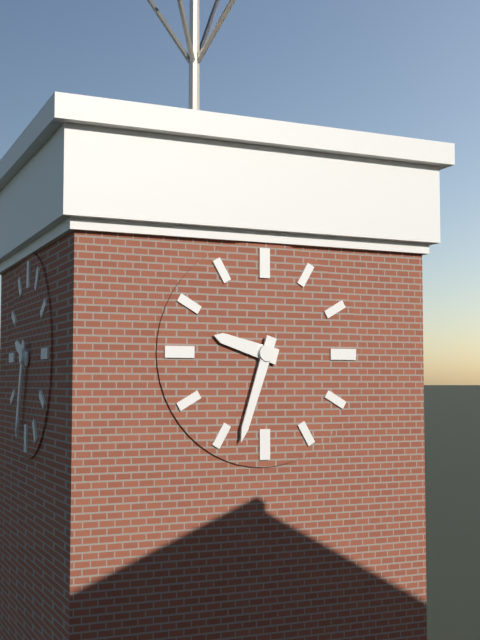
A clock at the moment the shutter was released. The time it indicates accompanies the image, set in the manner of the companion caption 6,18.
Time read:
9,33
